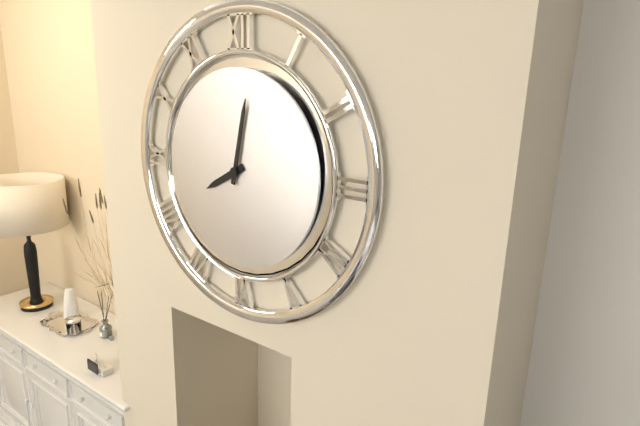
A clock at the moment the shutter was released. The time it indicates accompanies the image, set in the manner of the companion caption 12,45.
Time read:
8,02
